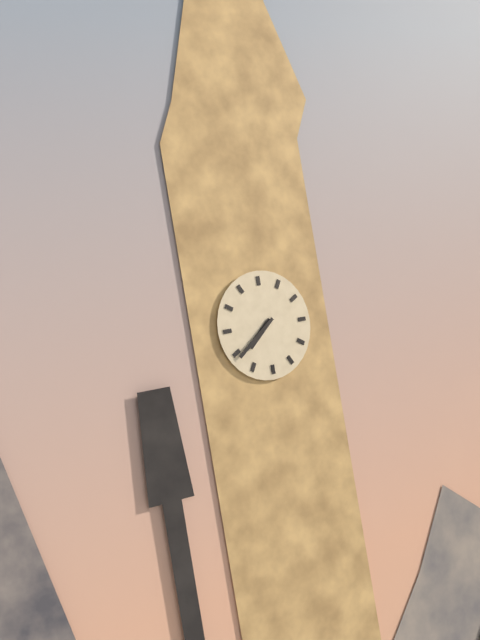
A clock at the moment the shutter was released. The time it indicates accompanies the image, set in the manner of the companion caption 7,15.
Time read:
7,39
